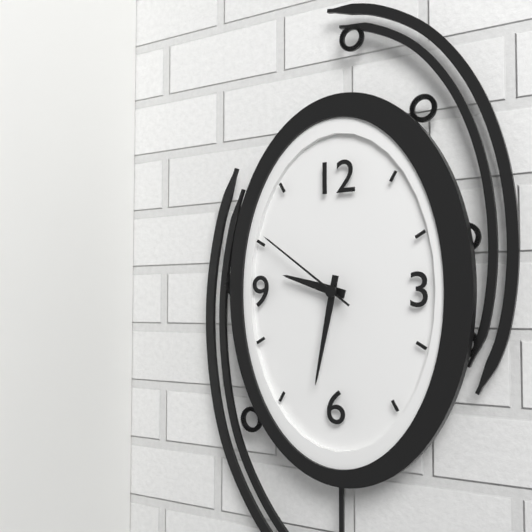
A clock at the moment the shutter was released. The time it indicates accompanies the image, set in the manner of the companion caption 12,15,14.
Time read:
9,32,51
